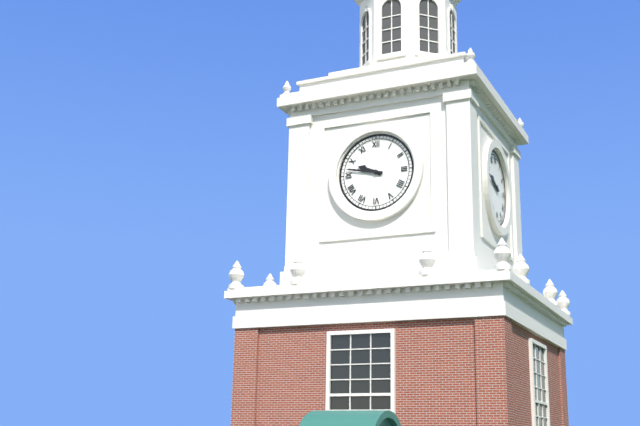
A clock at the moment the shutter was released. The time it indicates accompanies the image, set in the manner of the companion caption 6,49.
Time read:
9,47
